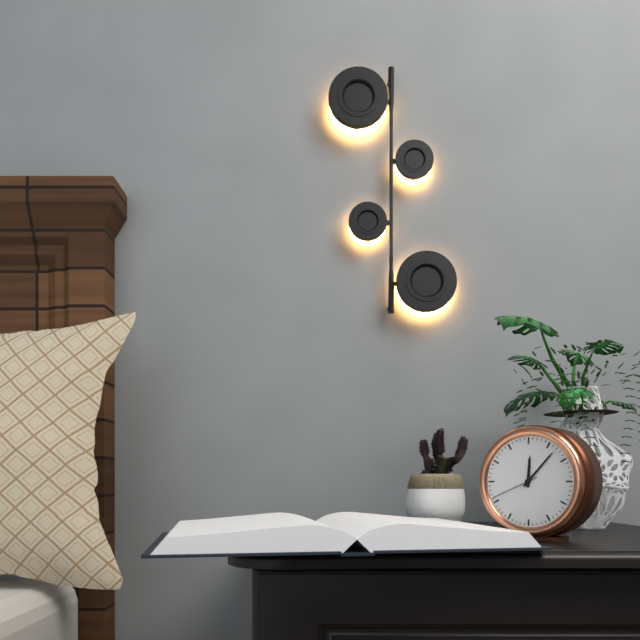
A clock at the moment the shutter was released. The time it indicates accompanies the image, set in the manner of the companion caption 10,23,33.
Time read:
12,07,41
